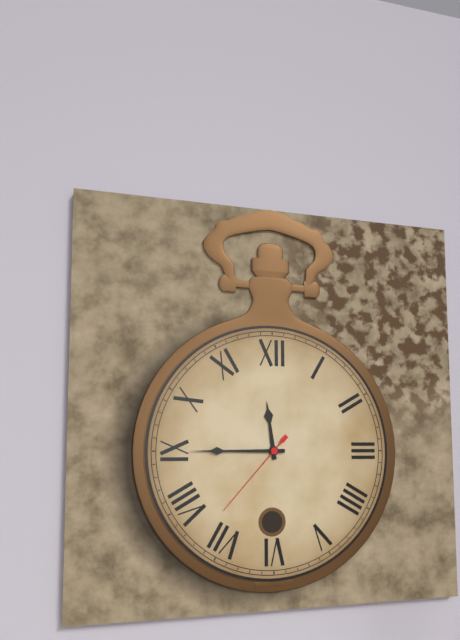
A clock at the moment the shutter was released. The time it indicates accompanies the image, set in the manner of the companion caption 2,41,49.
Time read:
11,45,37
